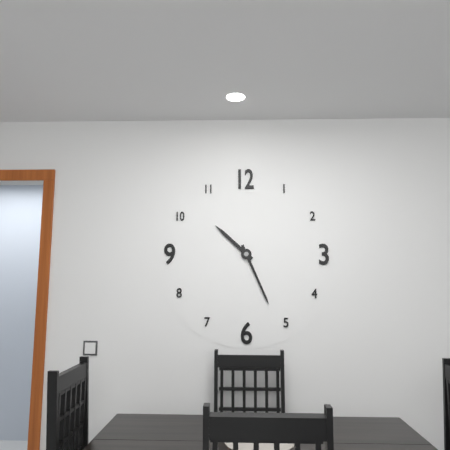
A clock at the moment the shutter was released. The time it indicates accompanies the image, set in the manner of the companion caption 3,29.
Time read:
10,26
